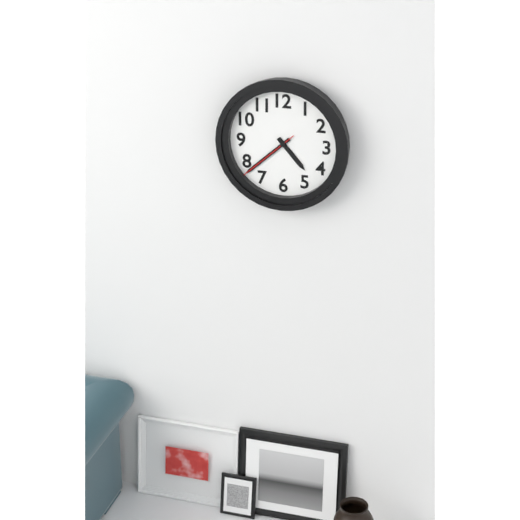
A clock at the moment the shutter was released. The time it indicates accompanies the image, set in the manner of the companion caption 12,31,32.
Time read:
4,38,38
